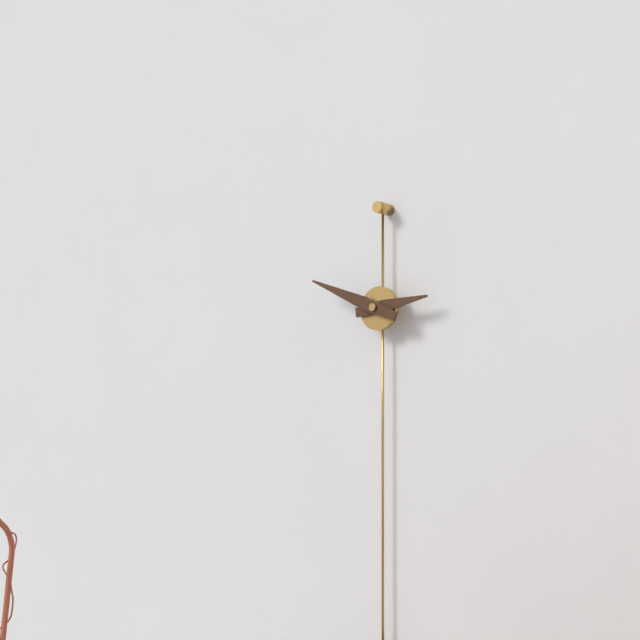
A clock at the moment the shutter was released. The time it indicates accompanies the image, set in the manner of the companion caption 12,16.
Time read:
2,49
